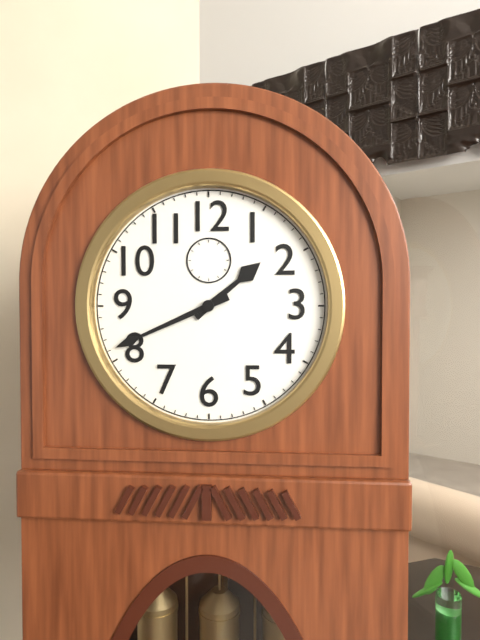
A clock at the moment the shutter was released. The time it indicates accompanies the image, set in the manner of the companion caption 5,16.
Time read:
1,41
